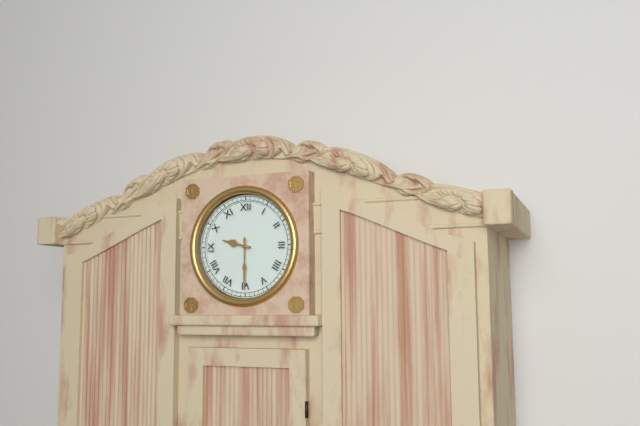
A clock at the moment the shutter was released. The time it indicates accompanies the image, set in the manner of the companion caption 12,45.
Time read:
9,30
